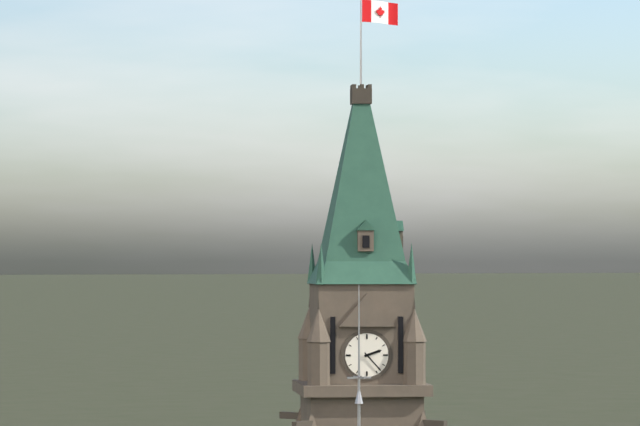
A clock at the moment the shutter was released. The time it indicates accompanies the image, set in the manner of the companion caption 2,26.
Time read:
2,23
